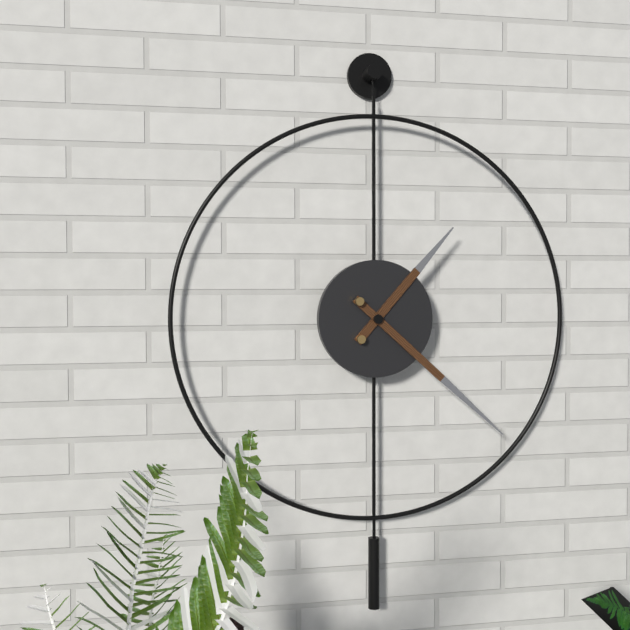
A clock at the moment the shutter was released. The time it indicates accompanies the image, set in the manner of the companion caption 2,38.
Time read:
1,22
